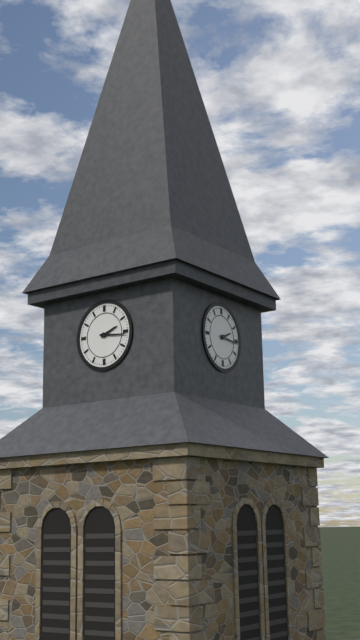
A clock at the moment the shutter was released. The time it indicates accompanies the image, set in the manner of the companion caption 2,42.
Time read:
2,16
